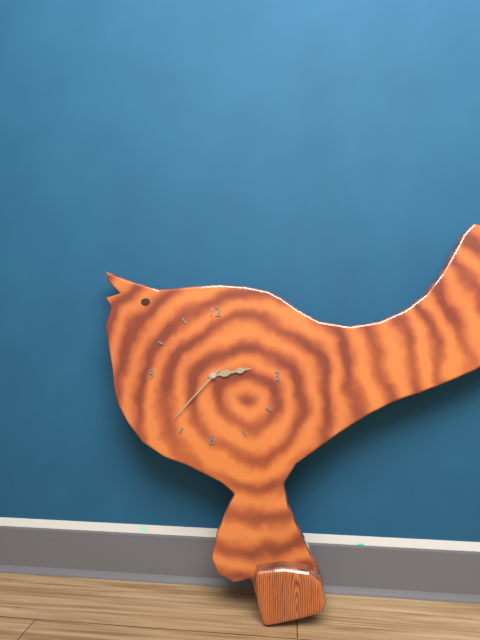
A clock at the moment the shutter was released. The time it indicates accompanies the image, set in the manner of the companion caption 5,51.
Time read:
2,37
